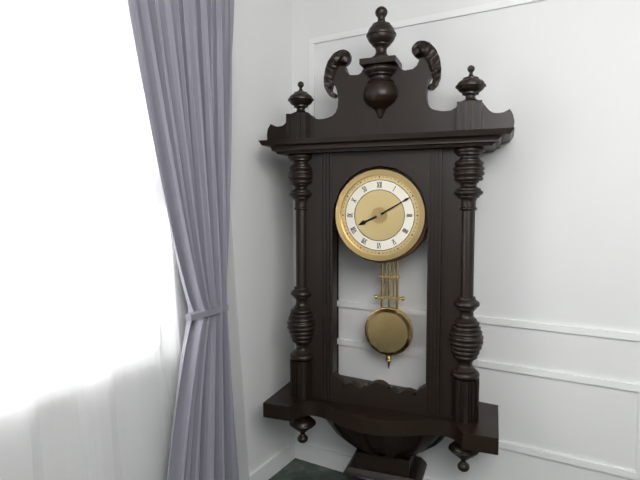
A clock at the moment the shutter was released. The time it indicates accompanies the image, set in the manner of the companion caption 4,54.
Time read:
8,10
